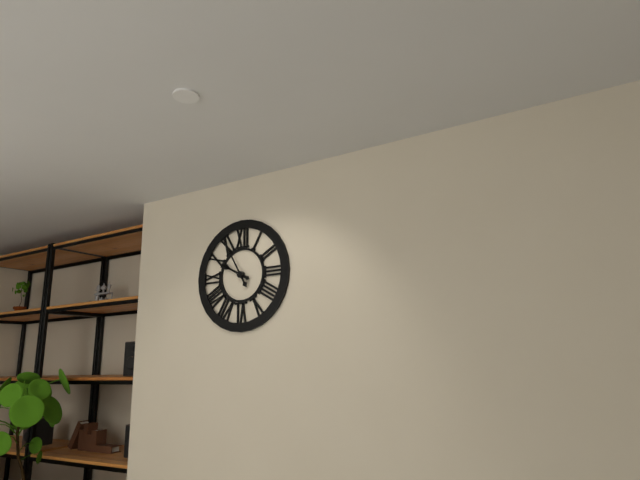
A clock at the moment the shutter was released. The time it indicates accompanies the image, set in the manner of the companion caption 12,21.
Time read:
9,55
